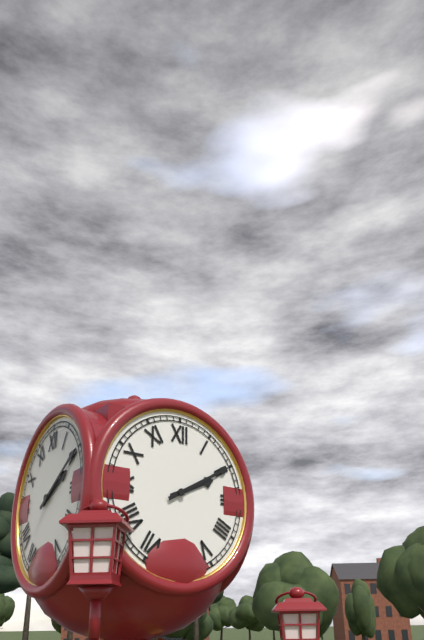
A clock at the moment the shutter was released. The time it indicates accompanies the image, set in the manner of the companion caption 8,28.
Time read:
2,10
